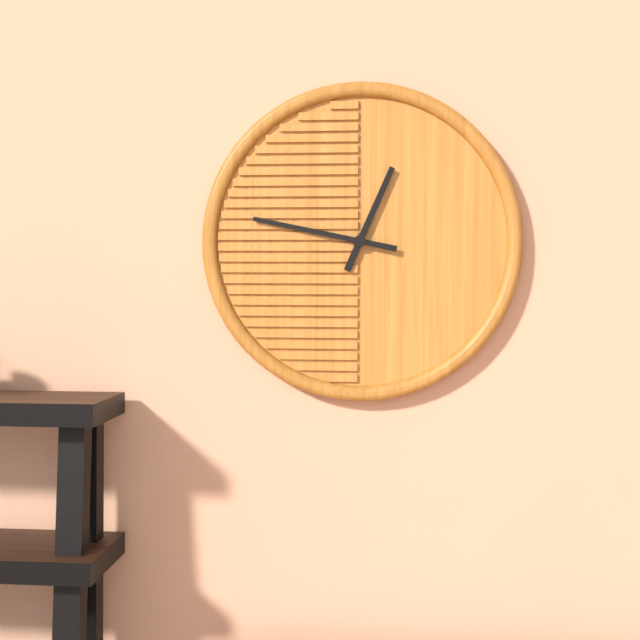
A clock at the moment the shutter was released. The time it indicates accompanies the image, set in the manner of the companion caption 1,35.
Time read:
12,47
